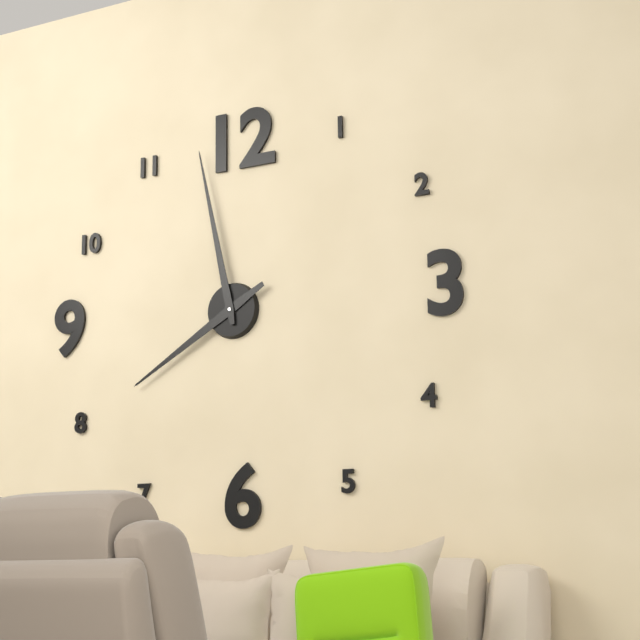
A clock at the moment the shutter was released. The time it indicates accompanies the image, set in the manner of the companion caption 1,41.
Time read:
7,58
